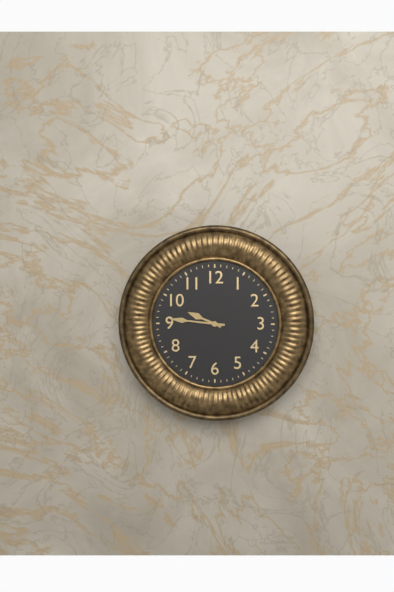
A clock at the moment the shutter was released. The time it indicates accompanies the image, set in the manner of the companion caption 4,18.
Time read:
9,46
